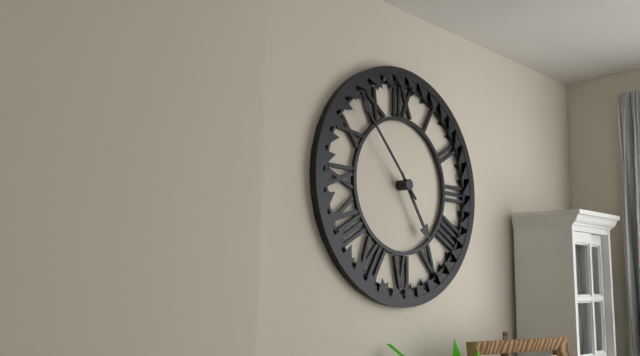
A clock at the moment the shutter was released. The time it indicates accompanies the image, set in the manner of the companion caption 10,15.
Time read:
4,53
